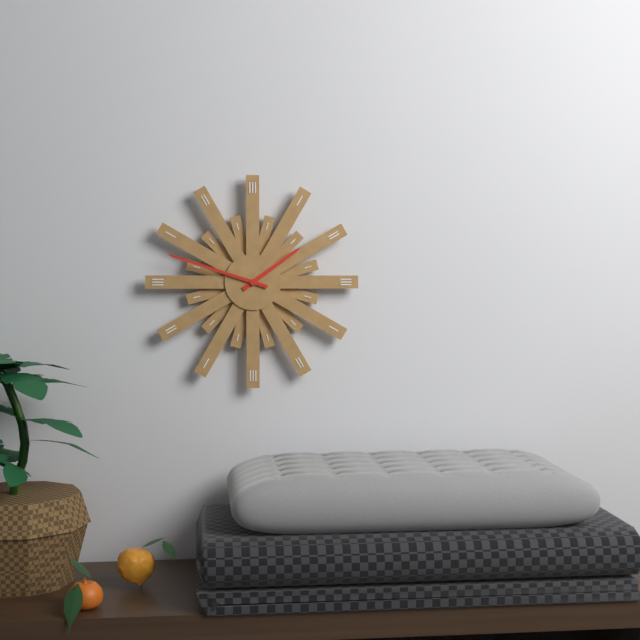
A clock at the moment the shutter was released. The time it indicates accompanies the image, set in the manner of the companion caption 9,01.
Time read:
1,48
